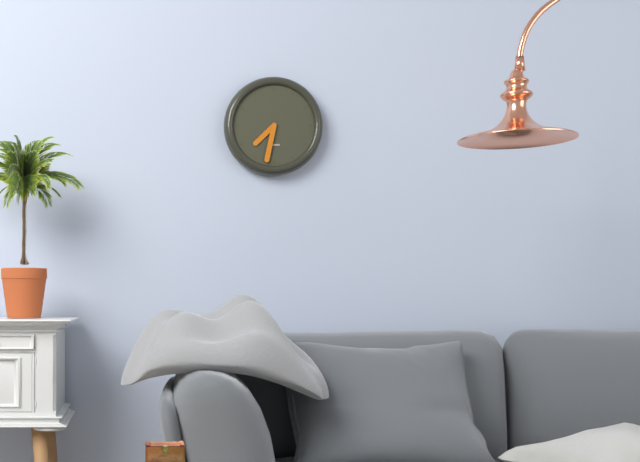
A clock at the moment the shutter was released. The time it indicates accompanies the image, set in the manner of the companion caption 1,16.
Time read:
7,32
